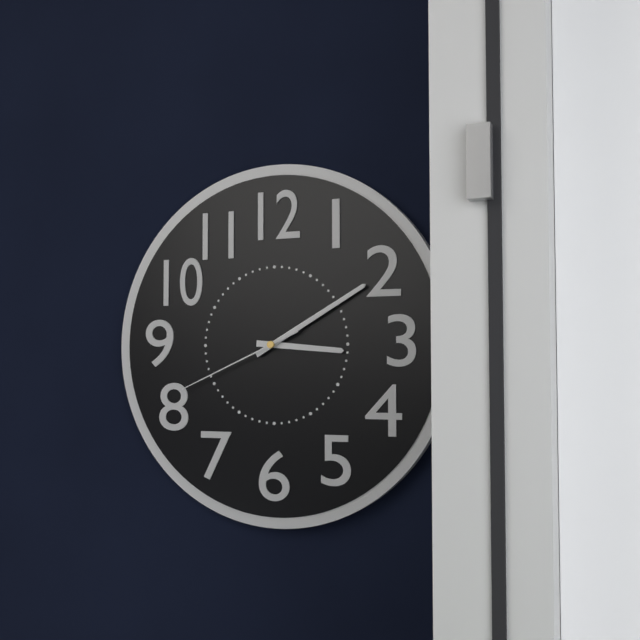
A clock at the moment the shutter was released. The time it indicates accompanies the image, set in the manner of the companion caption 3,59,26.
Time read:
3,10,41
